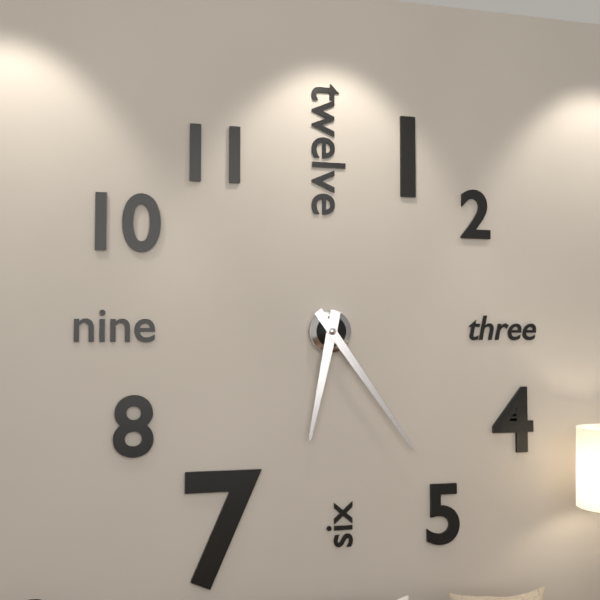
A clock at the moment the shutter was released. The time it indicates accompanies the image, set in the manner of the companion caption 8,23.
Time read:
6,24
